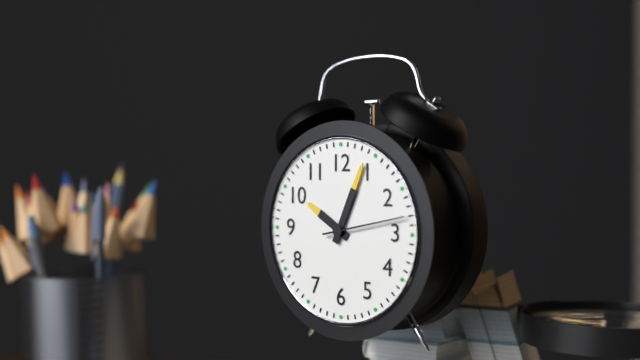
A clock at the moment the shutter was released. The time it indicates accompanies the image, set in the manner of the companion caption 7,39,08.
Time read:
10,04,13
